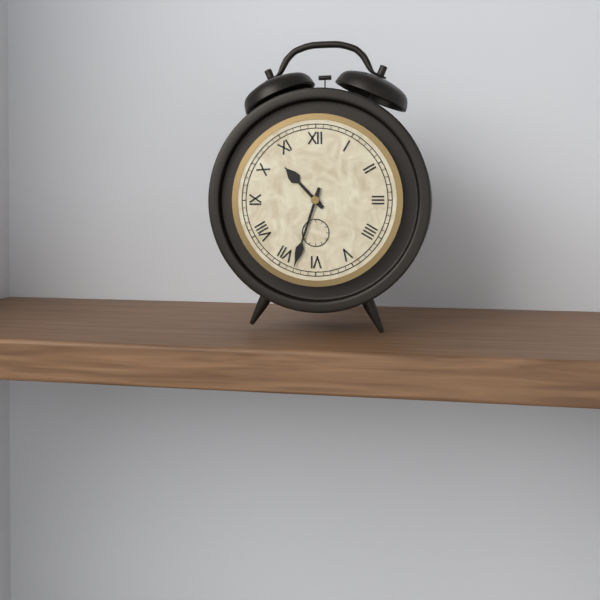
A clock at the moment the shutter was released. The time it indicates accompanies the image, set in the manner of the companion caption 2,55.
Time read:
10,33
